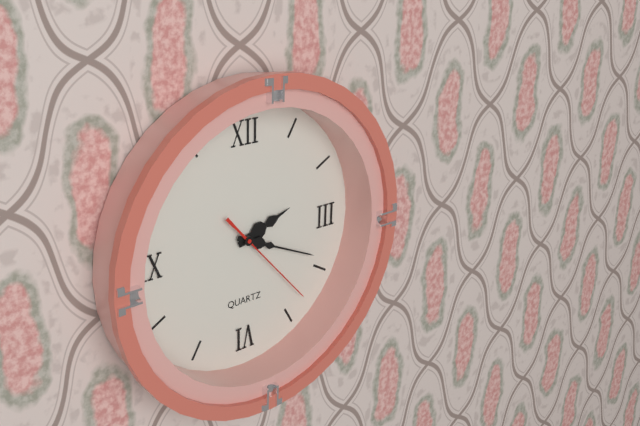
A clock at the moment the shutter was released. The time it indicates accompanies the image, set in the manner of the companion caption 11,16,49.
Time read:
2,19,23
